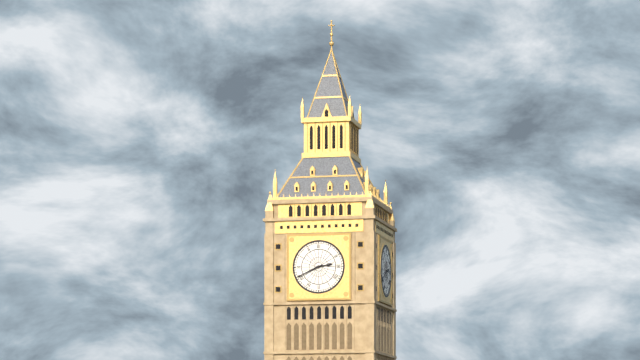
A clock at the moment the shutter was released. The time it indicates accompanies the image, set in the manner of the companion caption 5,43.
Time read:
2,41
